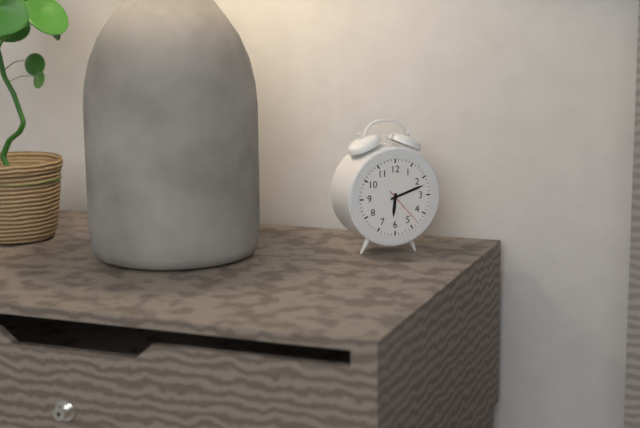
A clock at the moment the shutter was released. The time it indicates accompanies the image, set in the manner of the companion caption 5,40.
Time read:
6,12
